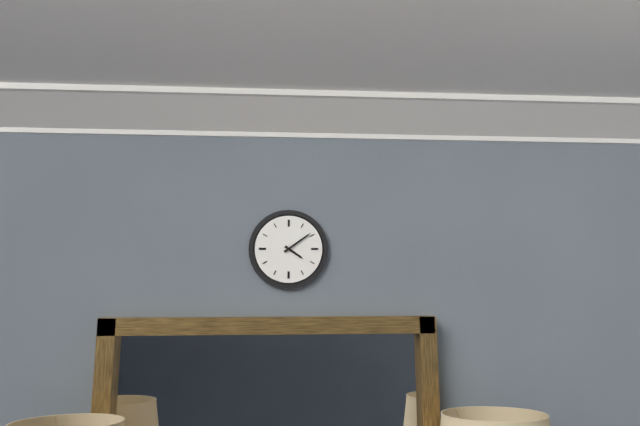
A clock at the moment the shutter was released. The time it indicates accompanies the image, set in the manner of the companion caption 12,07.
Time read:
4,09
